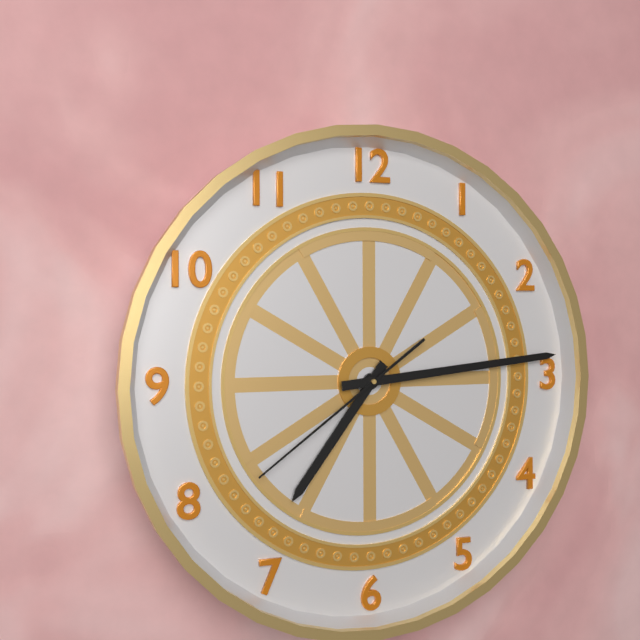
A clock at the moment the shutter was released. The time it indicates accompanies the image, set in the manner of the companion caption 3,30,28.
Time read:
7,14,39
